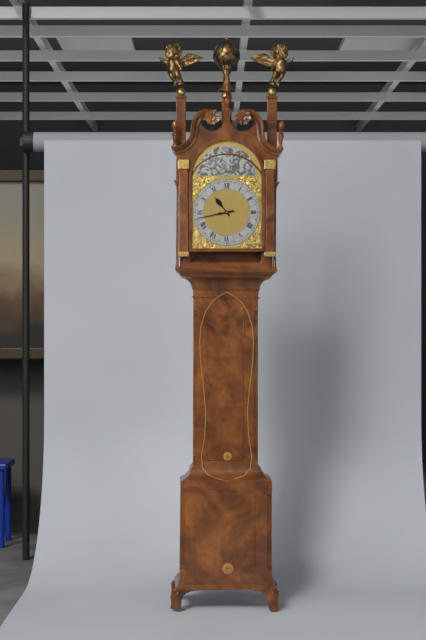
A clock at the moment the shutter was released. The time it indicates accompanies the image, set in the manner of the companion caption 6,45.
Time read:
10,43
